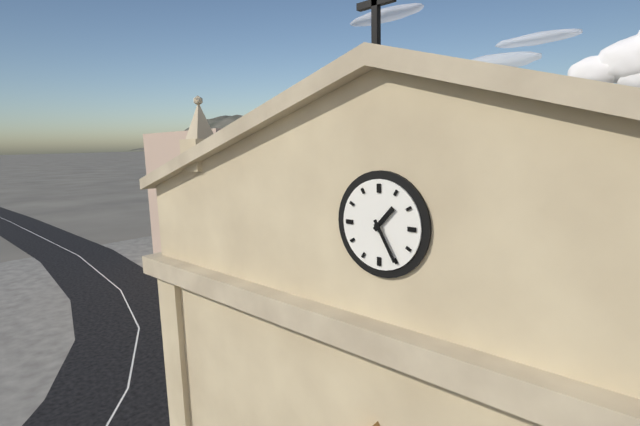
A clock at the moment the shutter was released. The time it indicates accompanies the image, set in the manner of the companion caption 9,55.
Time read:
1,25
